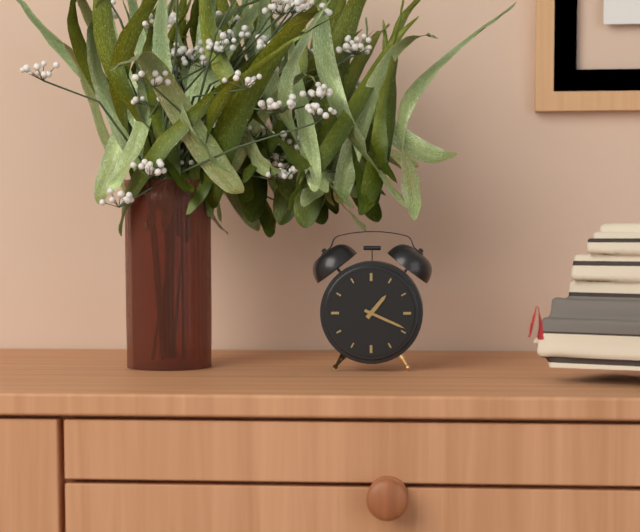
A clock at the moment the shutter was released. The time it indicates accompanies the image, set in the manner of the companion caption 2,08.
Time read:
1,19
